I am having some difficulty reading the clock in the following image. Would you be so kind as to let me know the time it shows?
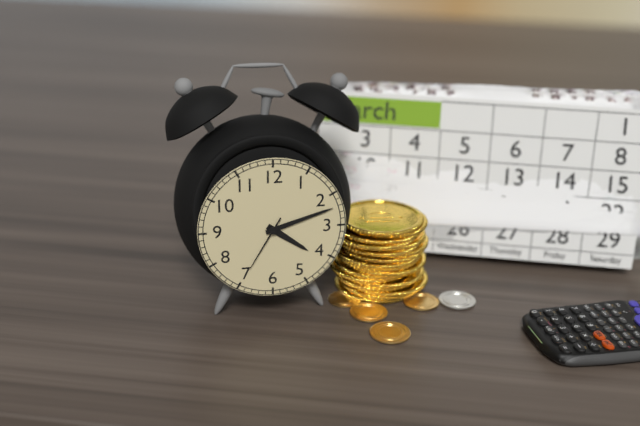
4:12:35
